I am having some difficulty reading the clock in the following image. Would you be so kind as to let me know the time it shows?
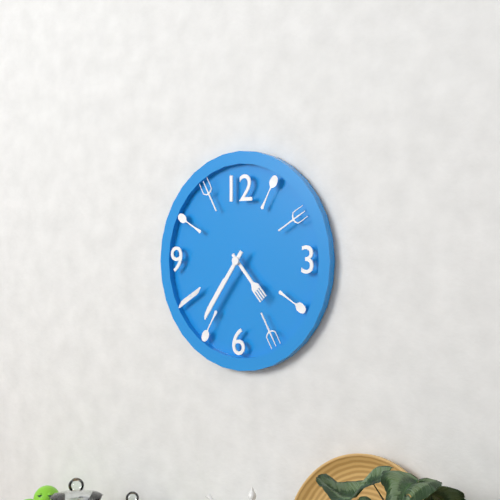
4:36
